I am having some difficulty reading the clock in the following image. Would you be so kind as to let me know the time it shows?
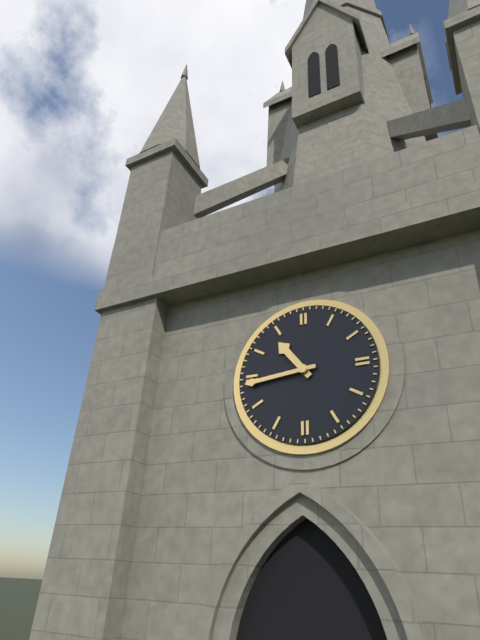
10:44
